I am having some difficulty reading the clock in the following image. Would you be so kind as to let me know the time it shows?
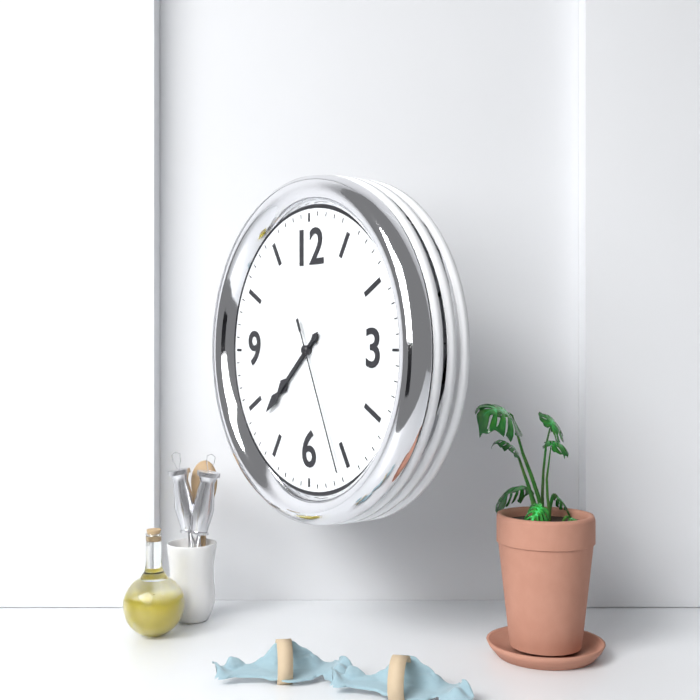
7:38:26
